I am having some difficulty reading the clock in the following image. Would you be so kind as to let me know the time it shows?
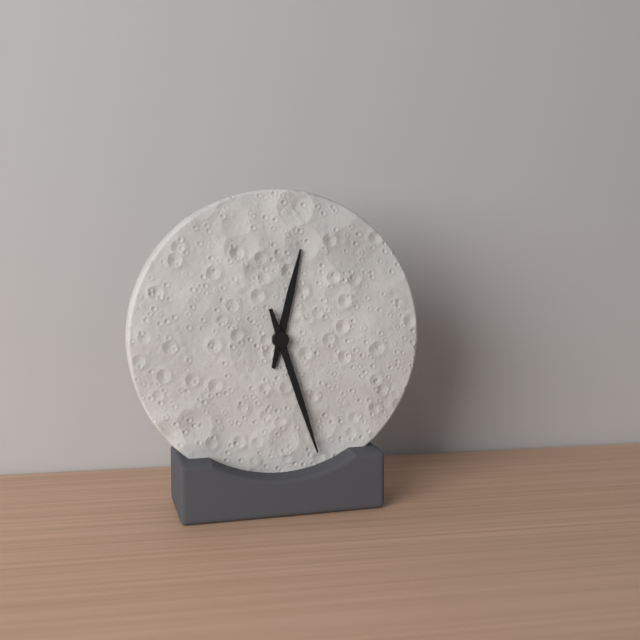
12:27
